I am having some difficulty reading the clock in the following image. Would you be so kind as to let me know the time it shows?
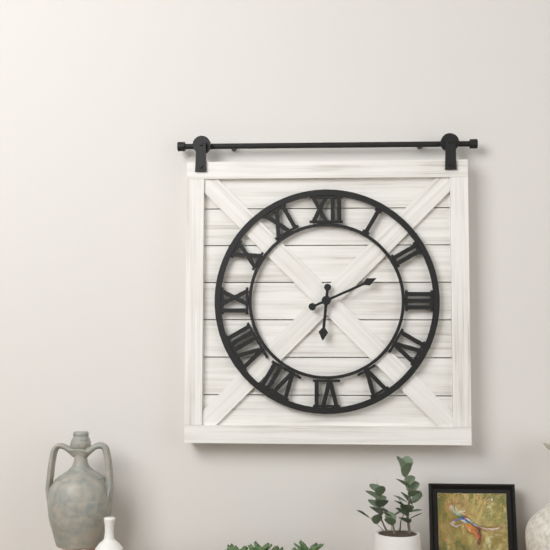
6:11
